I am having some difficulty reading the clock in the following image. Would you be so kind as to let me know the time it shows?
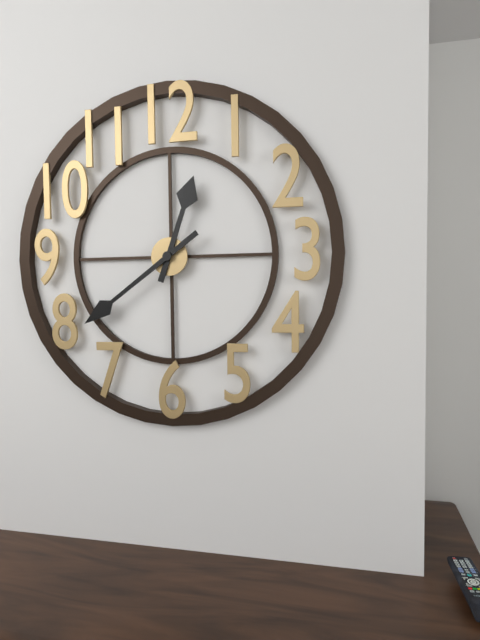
12:39
